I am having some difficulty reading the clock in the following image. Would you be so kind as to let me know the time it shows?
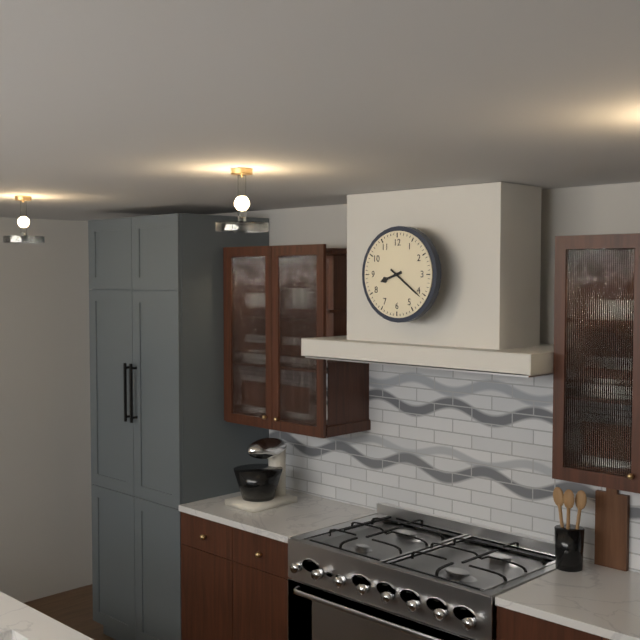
8:21
